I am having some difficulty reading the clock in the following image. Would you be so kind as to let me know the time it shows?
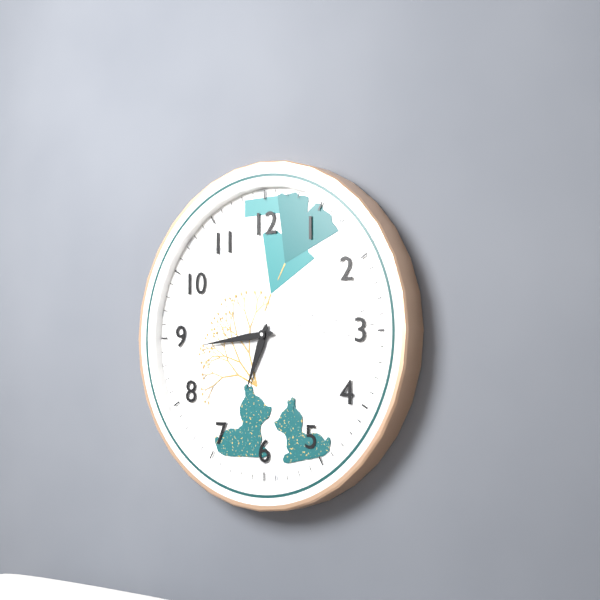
6:44
